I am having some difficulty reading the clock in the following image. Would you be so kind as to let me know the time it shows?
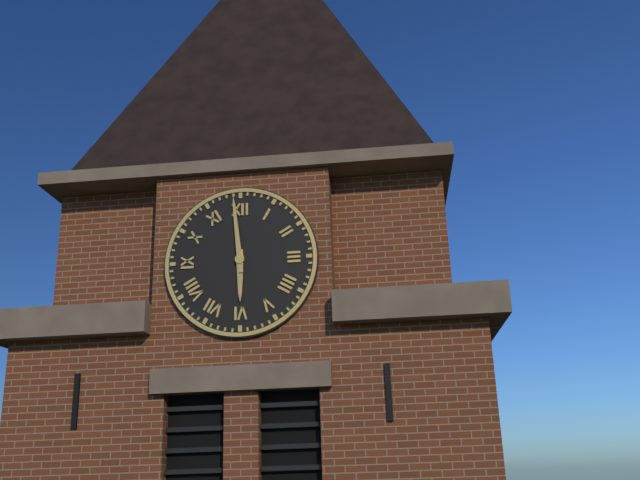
5:59
